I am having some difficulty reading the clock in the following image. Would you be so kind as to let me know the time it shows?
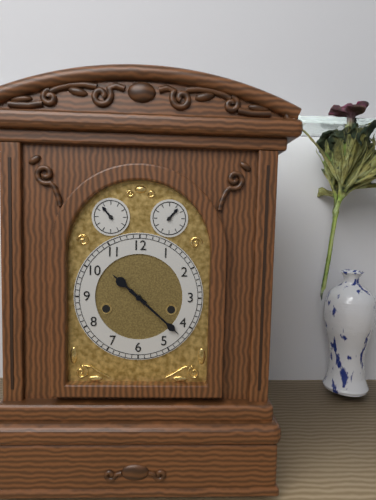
10:22
